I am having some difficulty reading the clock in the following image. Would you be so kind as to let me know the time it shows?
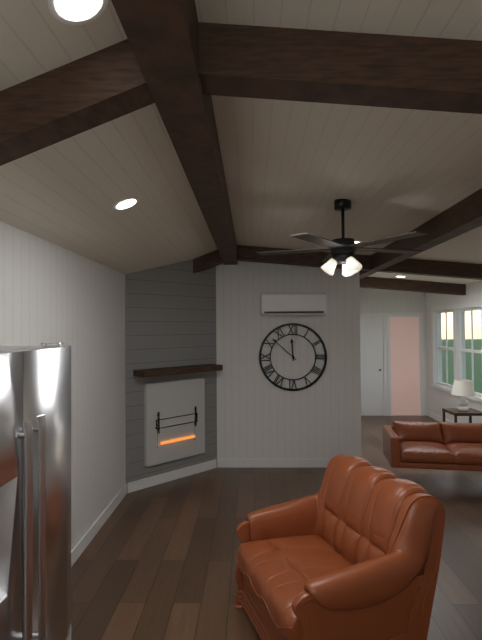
11:52
